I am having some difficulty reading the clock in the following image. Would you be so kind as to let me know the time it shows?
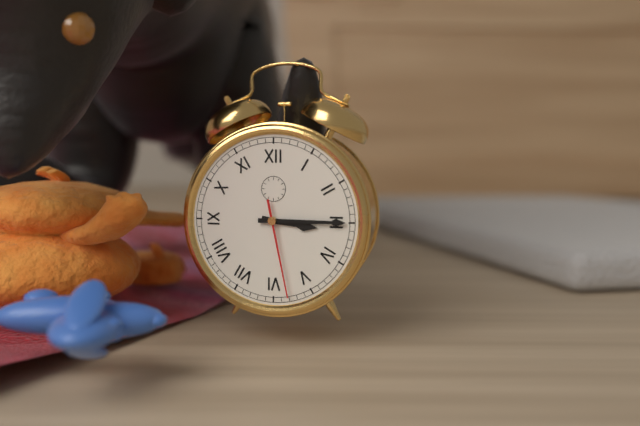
3:15:28
